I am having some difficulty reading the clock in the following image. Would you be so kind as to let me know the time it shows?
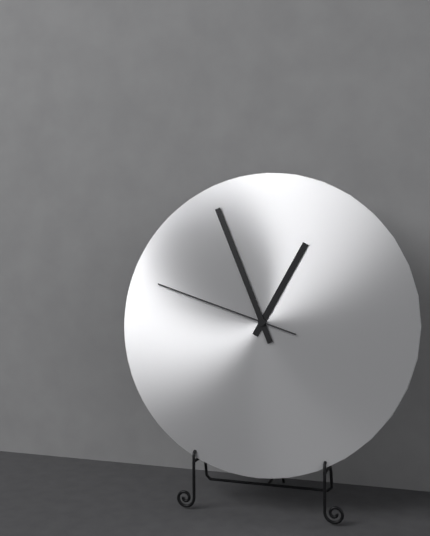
12:56:48
